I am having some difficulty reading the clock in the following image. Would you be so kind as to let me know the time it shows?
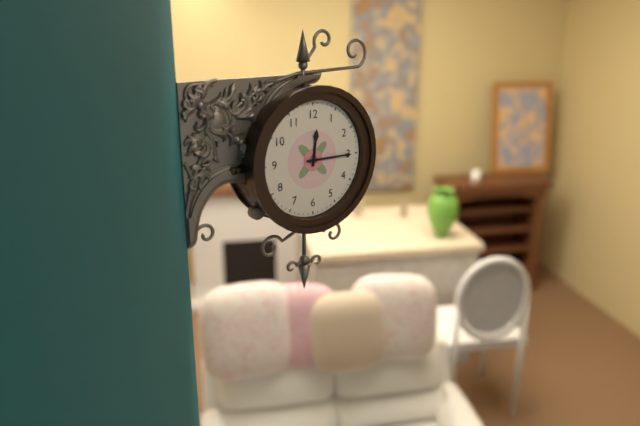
12:15
